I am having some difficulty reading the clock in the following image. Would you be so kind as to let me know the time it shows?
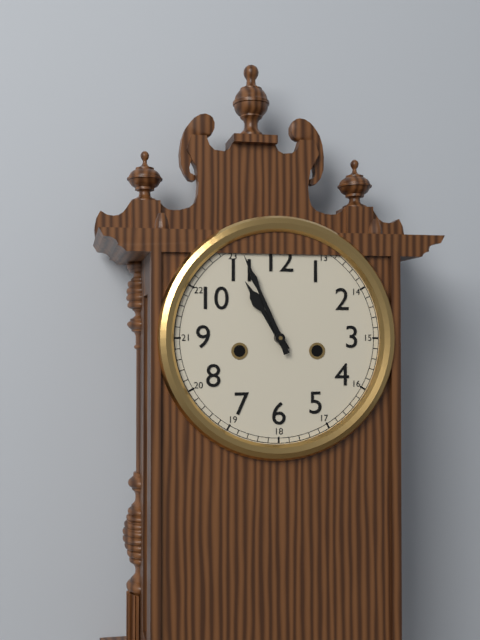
10:56
